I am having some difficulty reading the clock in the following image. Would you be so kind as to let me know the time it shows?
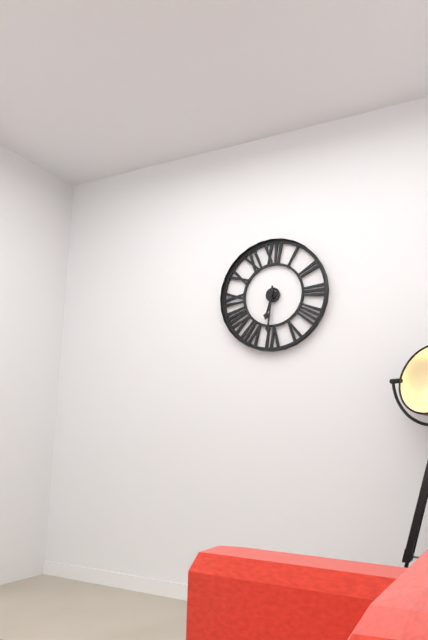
6:31
